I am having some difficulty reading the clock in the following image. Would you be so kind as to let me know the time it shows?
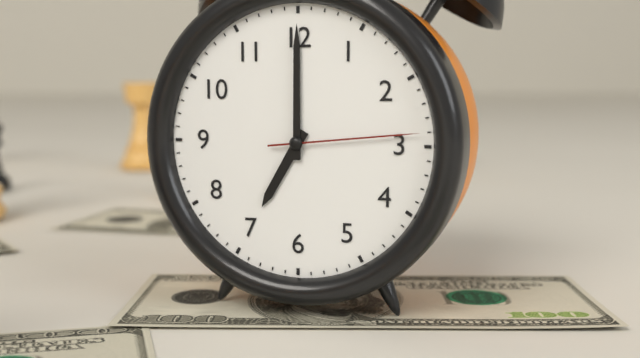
7:00:14
